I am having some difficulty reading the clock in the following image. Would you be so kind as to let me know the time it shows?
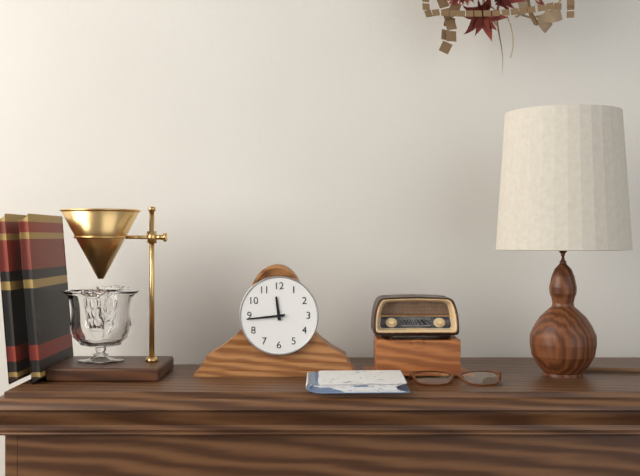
11:44
